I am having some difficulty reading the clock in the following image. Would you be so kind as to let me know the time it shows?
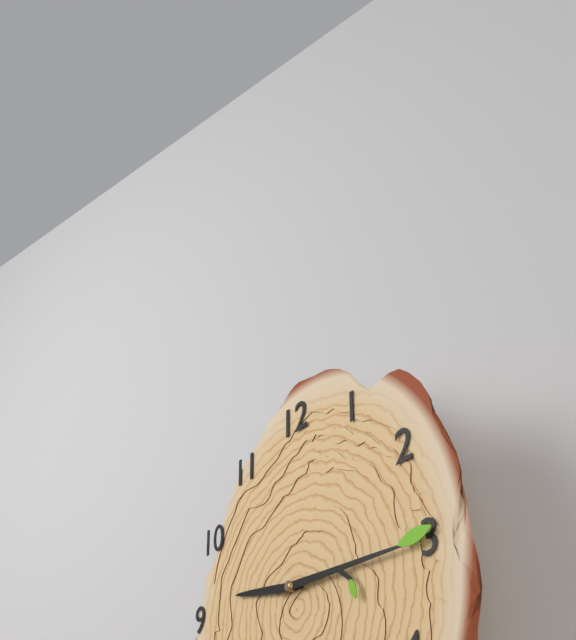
9:15
